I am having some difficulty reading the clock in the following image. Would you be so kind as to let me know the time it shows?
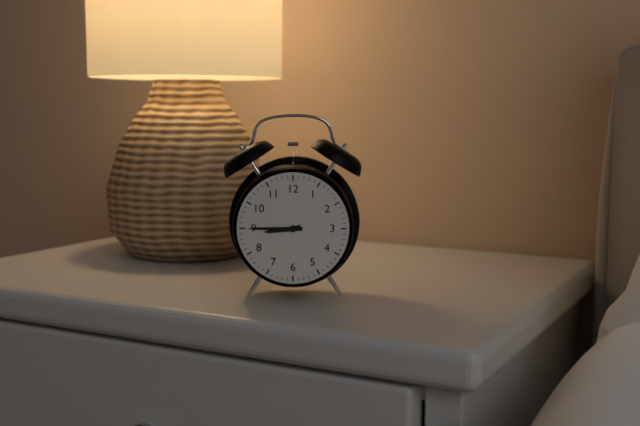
8:45
